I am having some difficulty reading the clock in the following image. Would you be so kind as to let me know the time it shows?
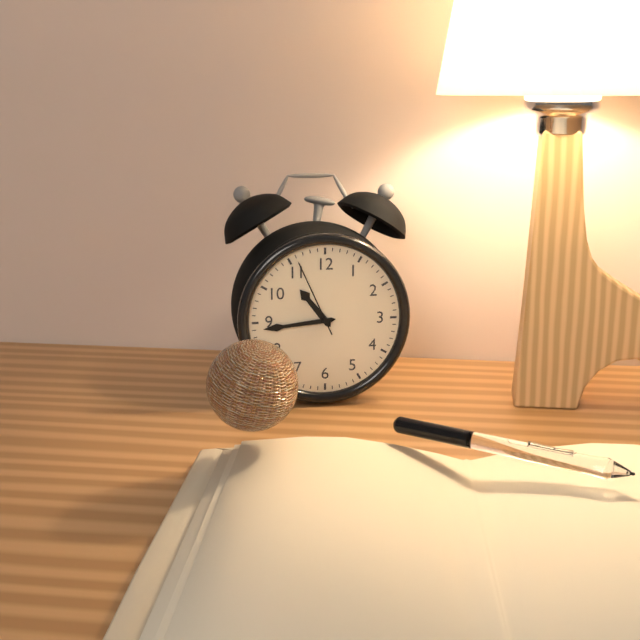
10:44:56
